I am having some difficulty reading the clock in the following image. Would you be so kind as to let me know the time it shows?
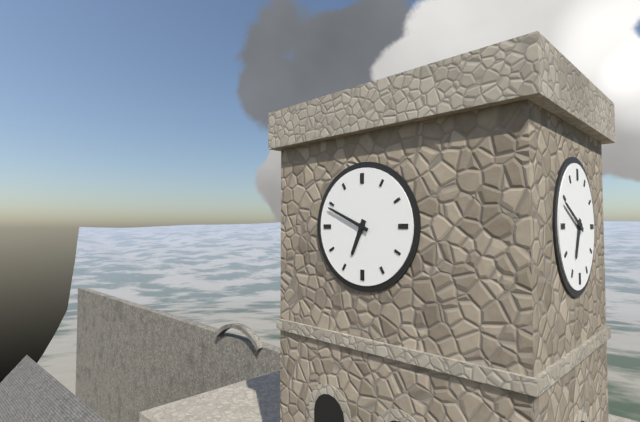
6:49
